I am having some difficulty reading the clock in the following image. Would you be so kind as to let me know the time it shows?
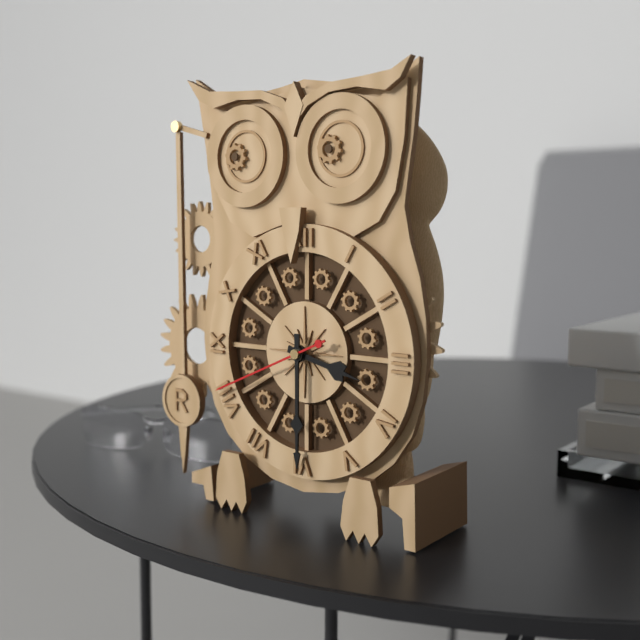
3:30:41
